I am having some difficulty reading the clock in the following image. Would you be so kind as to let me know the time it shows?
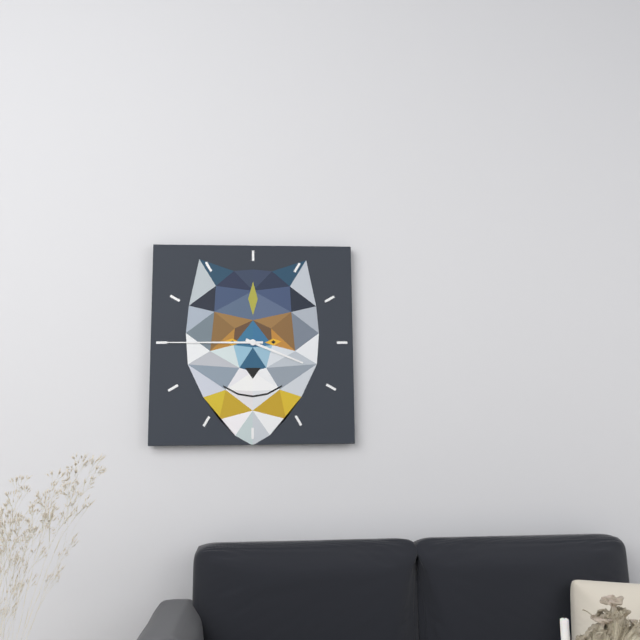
3:45
